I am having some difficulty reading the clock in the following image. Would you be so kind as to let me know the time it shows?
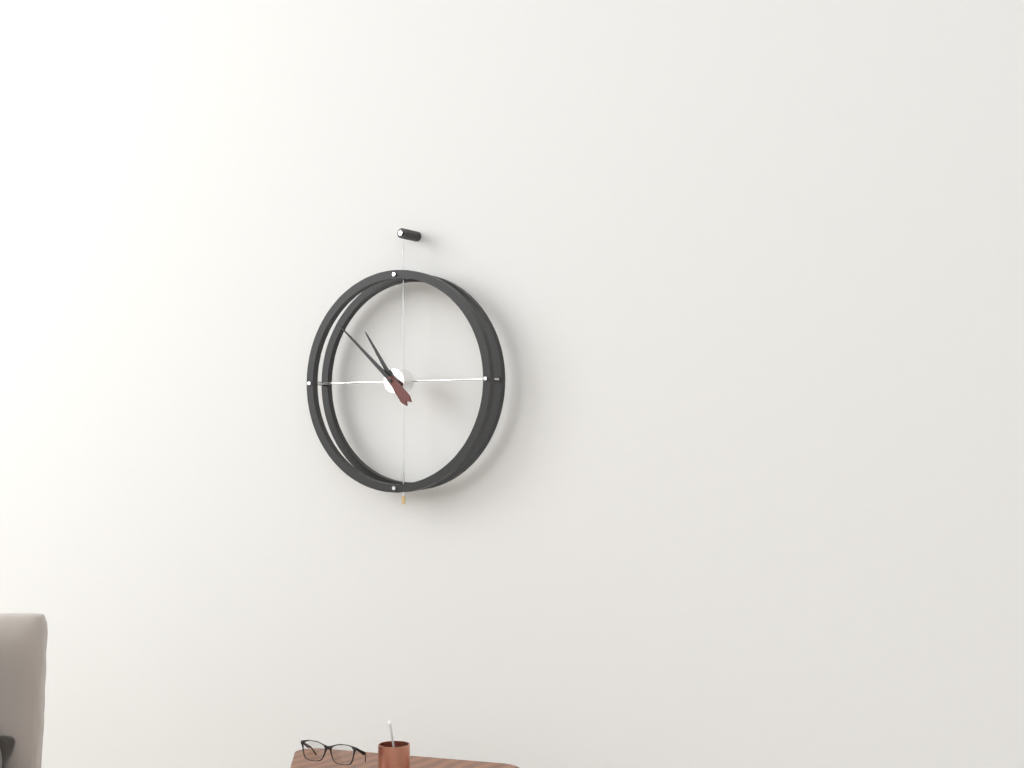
10:52
